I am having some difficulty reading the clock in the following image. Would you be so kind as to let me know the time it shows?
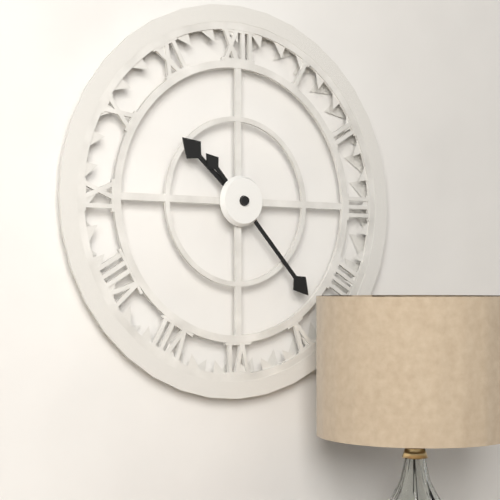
10:23
